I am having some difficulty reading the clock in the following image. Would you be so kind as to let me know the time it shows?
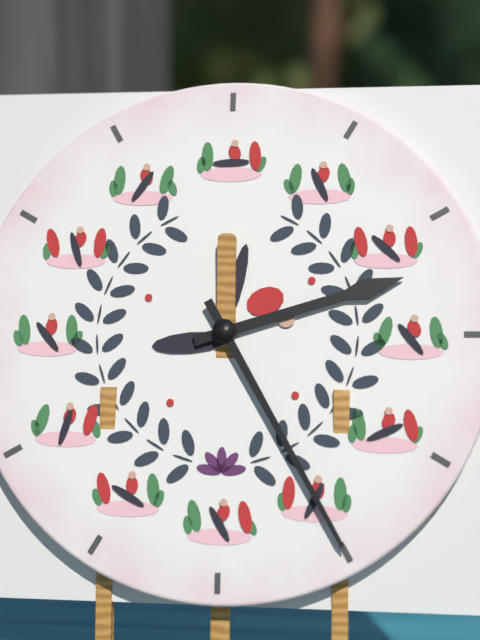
2:25
